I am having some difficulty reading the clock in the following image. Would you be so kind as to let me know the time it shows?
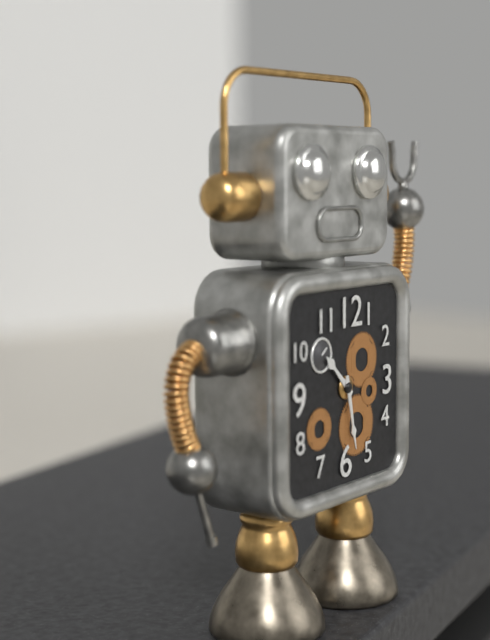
10:28
